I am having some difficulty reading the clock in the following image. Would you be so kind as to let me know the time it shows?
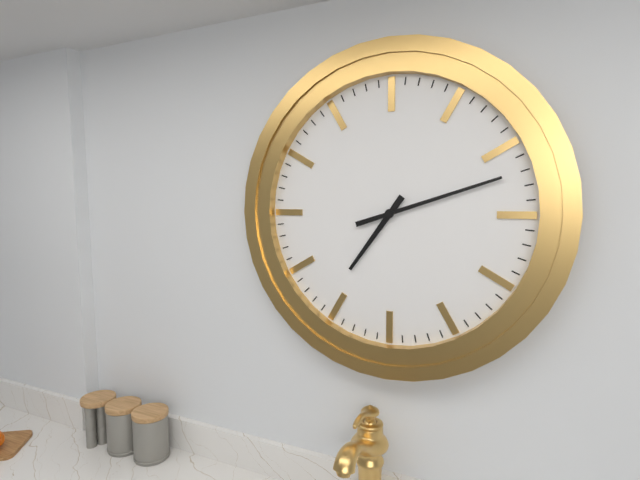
7:12
